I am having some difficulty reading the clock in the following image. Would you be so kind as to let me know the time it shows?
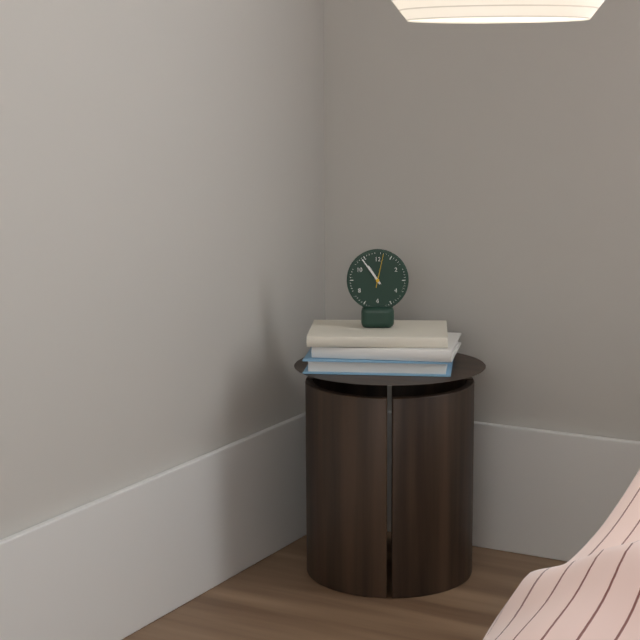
10:54
